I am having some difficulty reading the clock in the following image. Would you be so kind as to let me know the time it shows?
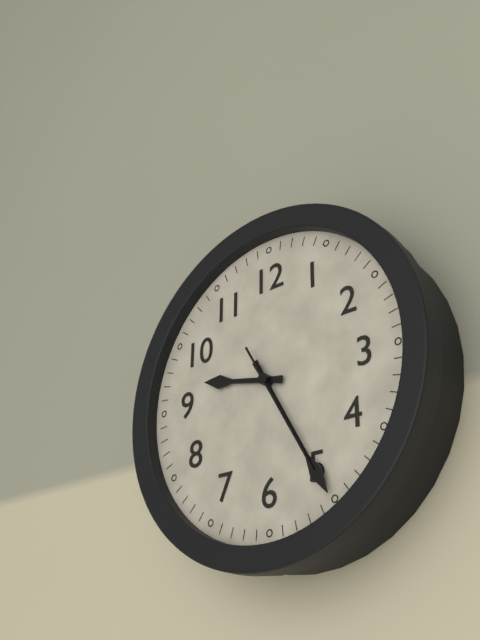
9:25:25
